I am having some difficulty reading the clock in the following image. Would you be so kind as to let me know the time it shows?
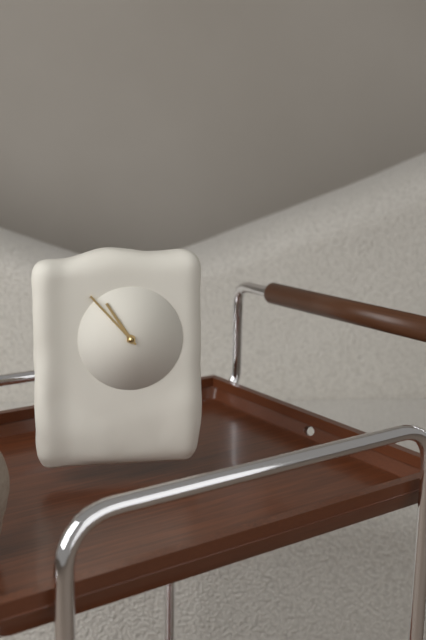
10:53
